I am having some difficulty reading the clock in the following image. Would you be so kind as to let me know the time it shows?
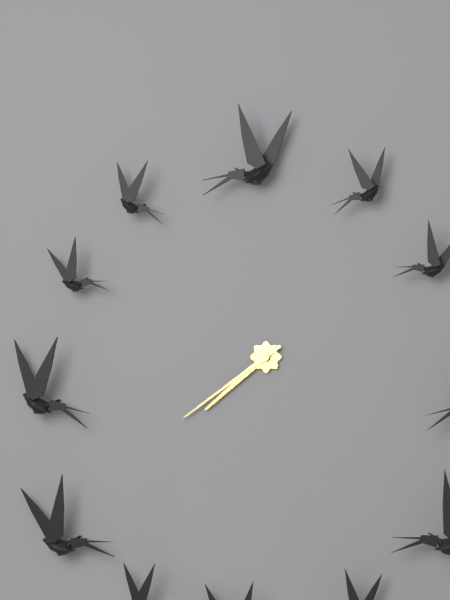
7:39
